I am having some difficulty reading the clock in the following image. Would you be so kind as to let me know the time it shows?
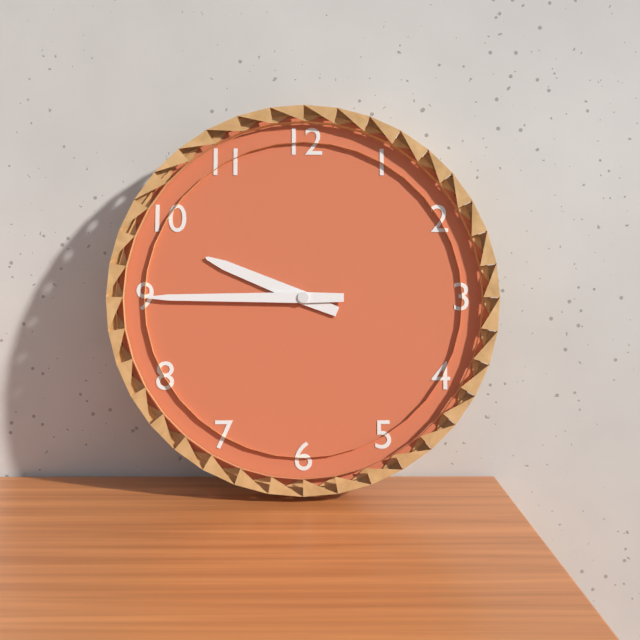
9:45
